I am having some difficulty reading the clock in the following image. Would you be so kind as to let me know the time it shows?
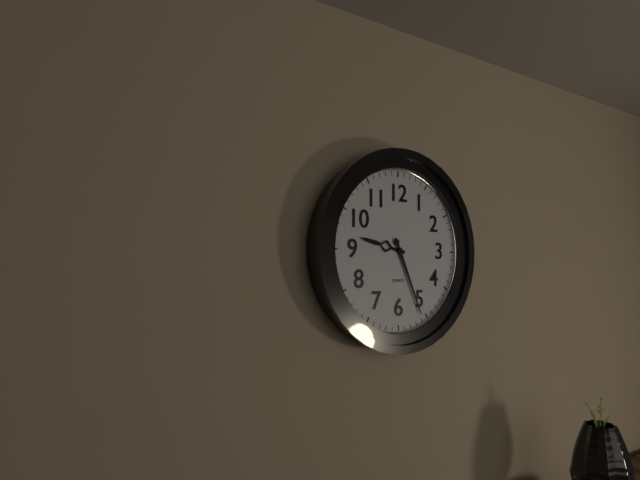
9:26
